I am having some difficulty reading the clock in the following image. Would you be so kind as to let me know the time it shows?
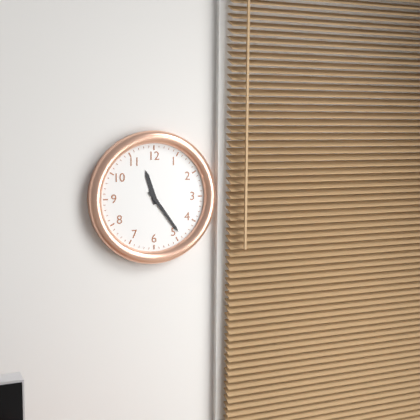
11:24
